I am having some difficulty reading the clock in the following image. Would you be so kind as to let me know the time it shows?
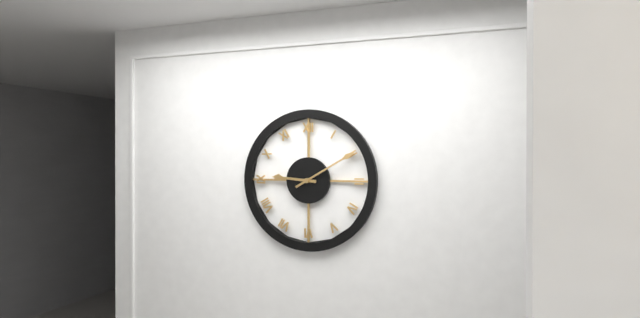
9:10
